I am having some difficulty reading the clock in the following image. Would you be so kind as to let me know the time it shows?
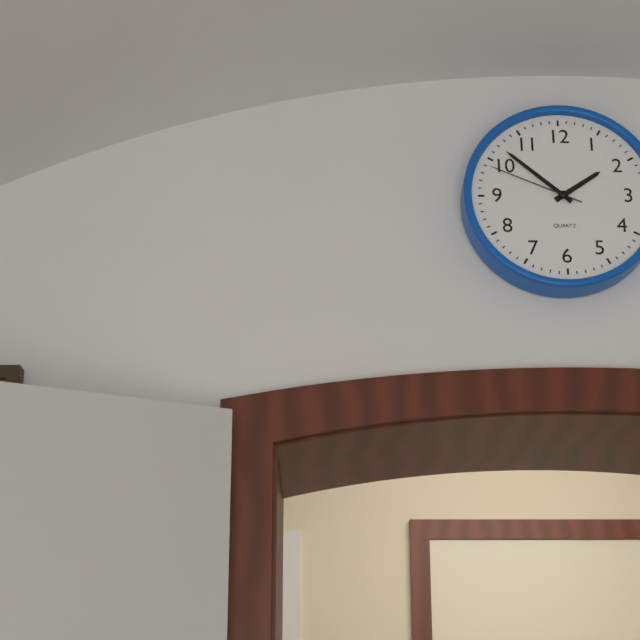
1:52:49
